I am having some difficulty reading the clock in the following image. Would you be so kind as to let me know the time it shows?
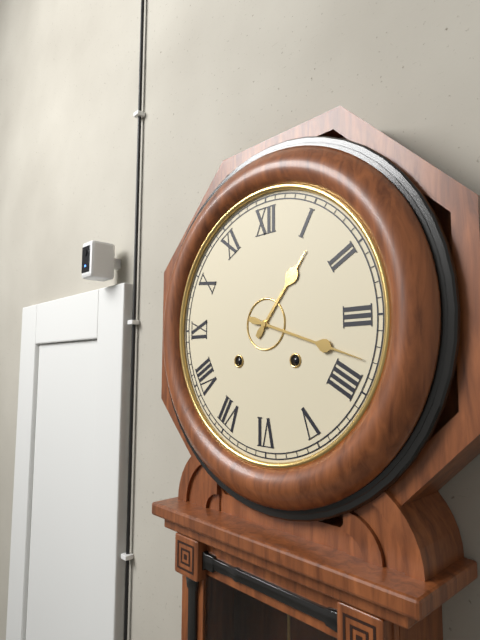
1:18
